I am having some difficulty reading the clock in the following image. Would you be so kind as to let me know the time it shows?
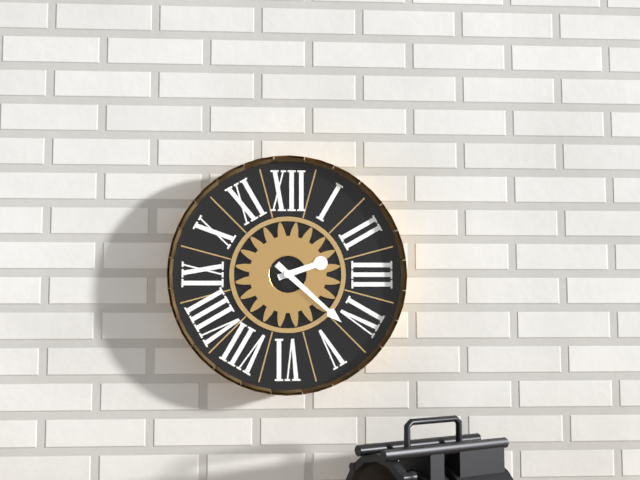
2:22
